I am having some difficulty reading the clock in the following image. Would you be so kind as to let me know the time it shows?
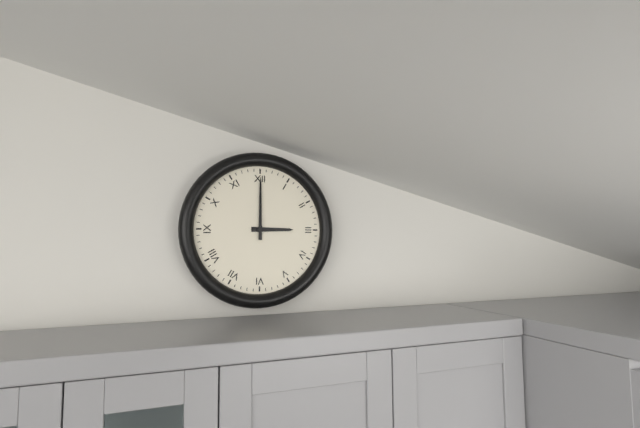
3:00
